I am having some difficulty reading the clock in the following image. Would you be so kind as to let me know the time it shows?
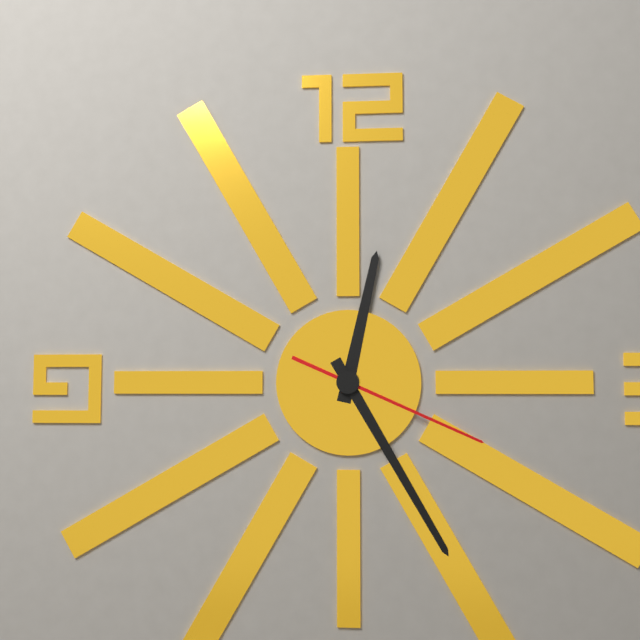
12:25:19
